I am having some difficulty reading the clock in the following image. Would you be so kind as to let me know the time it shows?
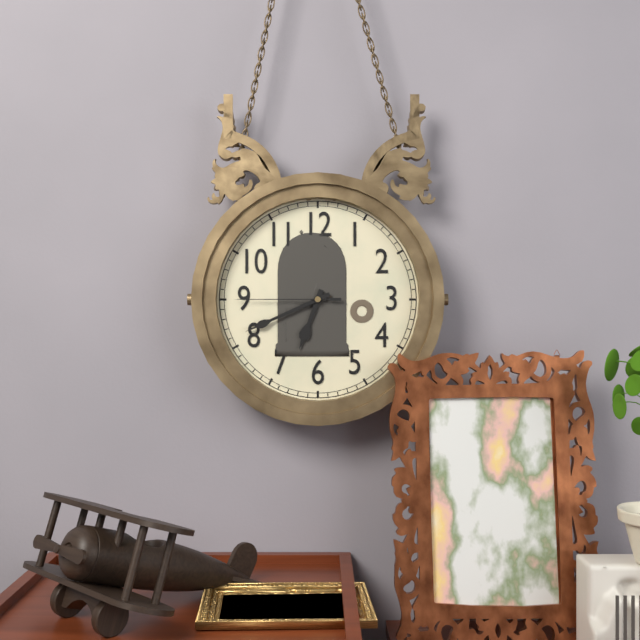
6:41:45
